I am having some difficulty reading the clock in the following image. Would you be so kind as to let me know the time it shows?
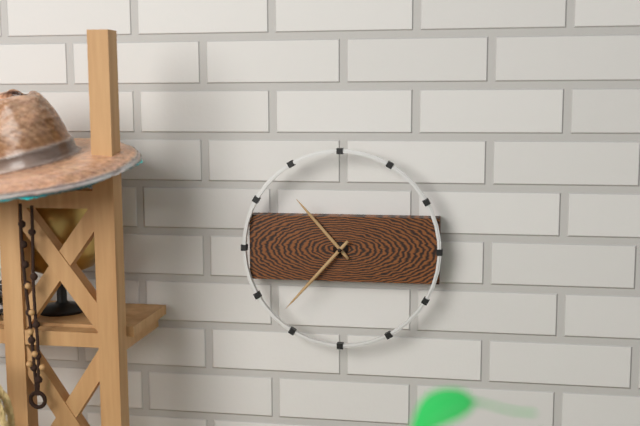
10:37
